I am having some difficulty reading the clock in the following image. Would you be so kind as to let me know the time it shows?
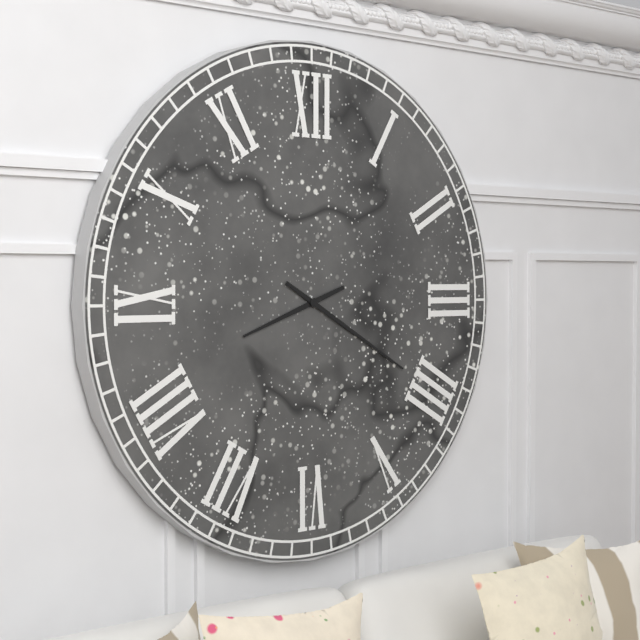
8:20
